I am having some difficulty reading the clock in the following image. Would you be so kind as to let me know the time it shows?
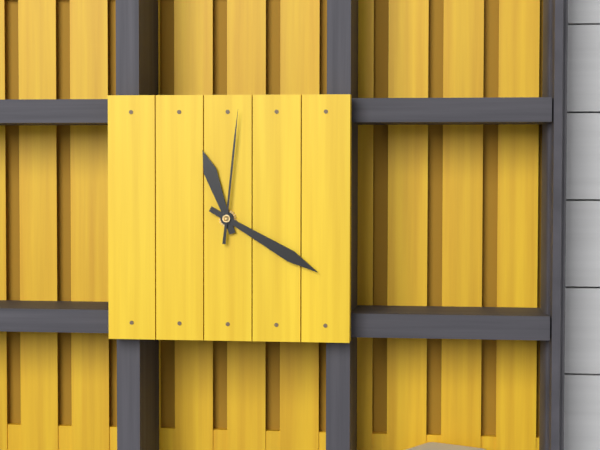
11:20:01
